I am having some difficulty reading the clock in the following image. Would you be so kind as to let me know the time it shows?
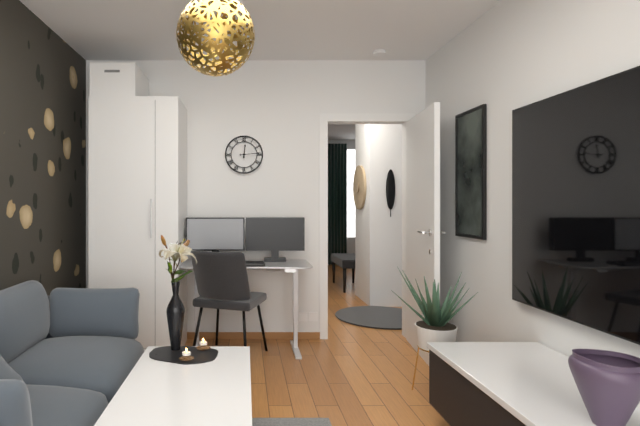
12:14
